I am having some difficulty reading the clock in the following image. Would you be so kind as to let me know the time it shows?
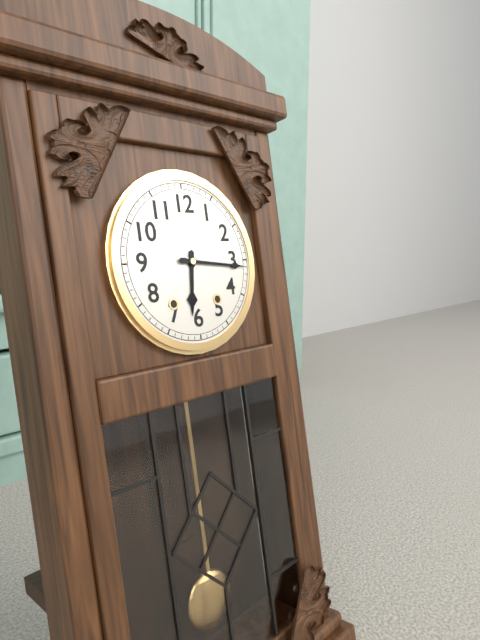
6:16
